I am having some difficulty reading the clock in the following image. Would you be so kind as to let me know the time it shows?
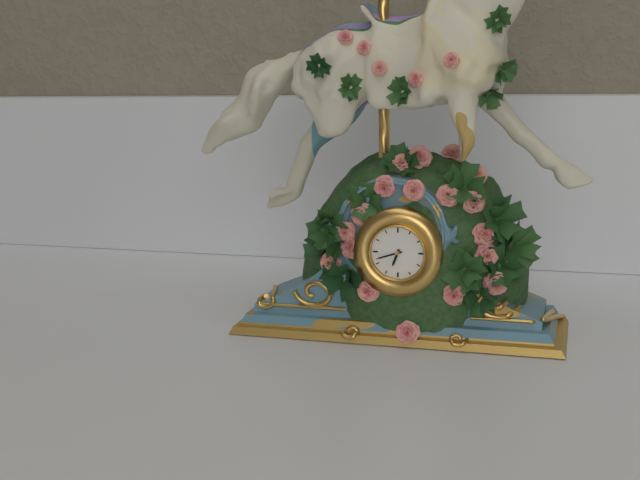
6:42
